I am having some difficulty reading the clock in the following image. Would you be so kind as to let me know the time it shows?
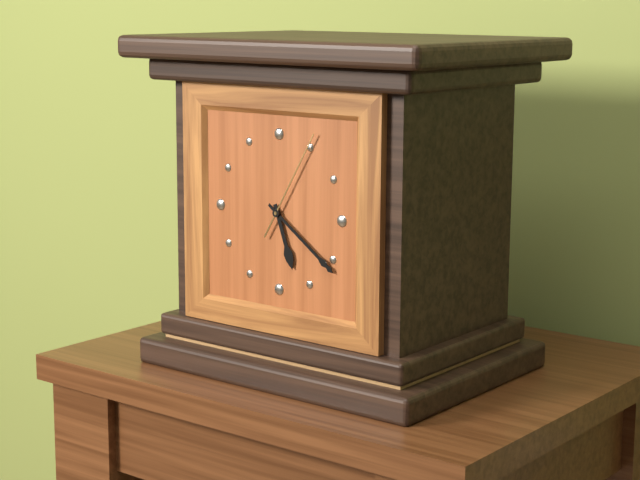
5:21:05
